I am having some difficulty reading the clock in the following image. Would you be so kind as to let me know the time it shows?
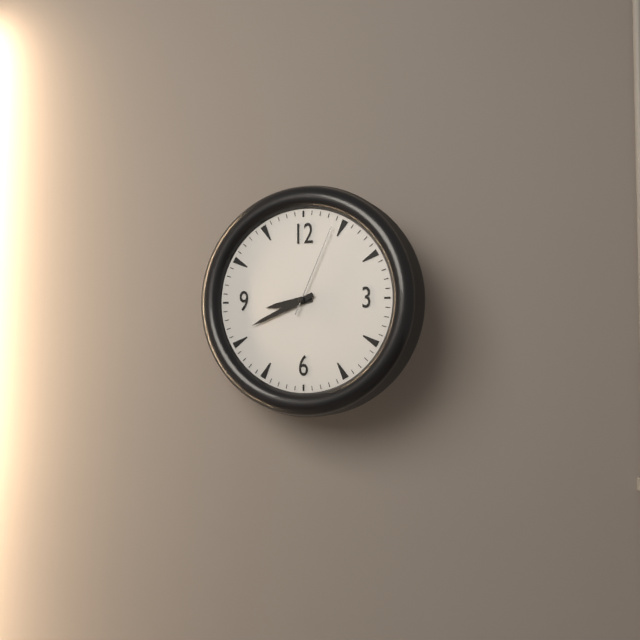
8:41:04
